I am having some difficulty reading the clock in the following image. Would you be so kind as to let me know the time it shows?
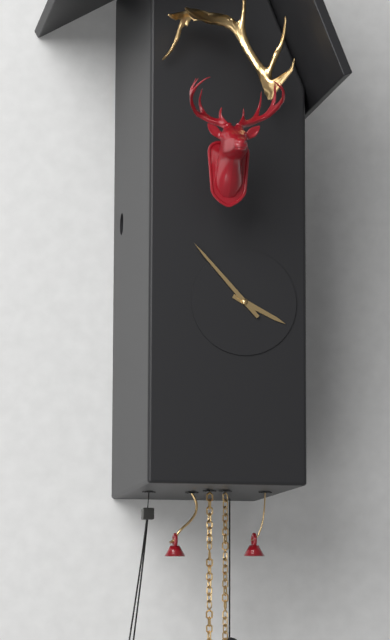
3:53
